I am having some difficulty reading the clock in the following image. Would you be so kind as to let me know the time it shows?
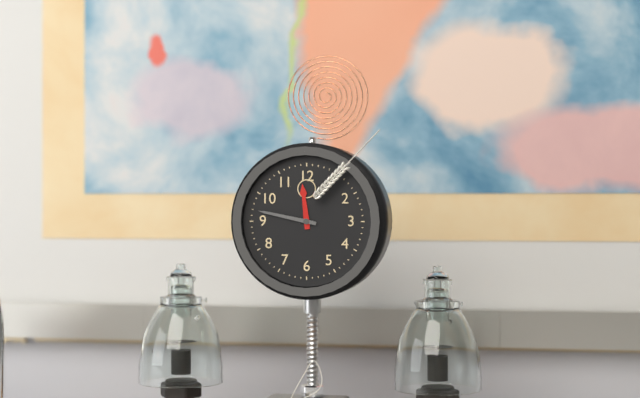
11:47
